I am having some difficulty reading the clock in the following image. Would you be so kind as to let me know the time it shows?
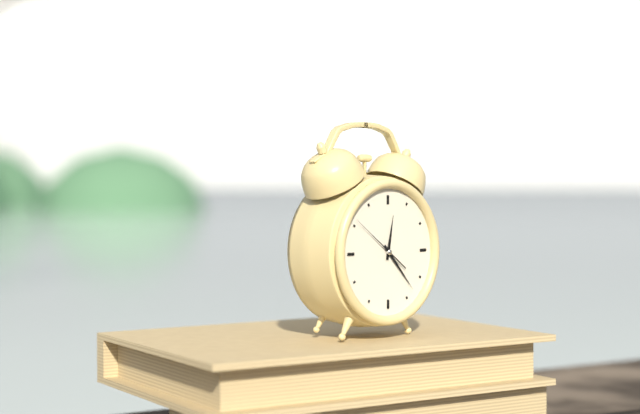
12:23:51
